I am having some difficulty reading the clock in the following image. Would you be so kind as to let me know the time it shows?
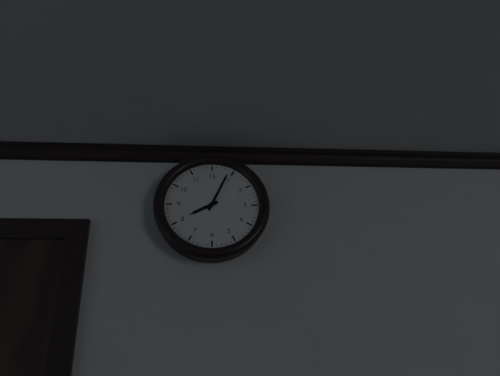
8:04
